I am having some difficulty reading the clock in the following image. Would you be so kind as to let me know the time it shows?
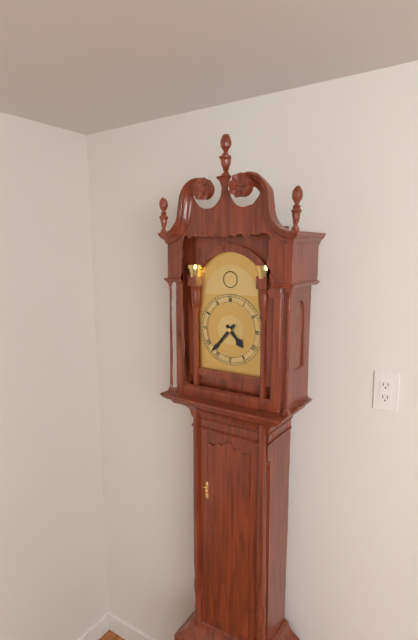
4:37
